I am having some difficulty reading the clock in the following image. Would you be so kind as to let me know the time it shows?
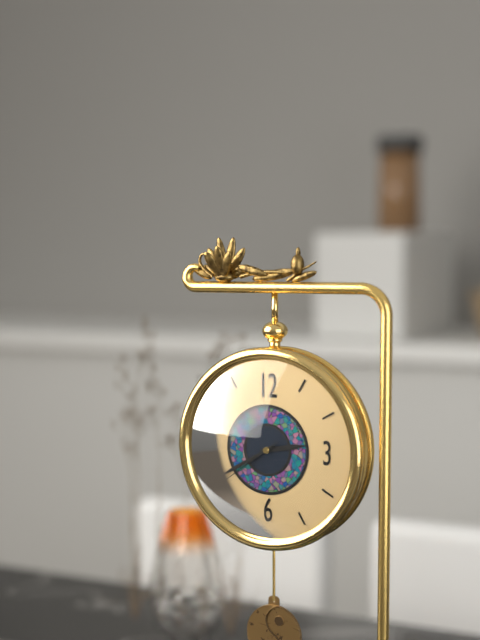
2:40:39
